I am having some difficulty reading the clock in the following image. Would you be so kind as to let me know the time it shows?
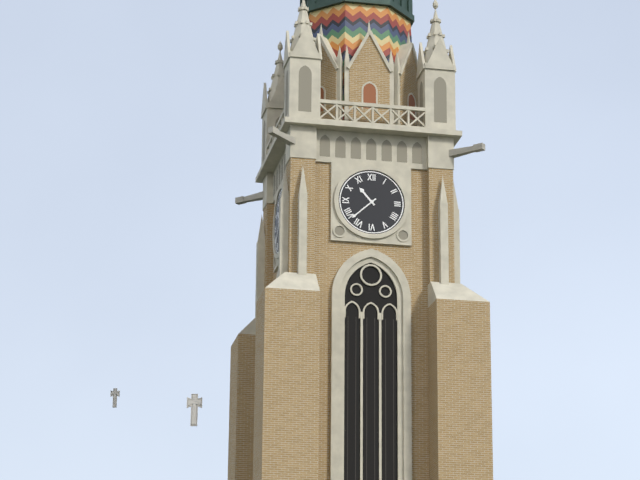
10:38
